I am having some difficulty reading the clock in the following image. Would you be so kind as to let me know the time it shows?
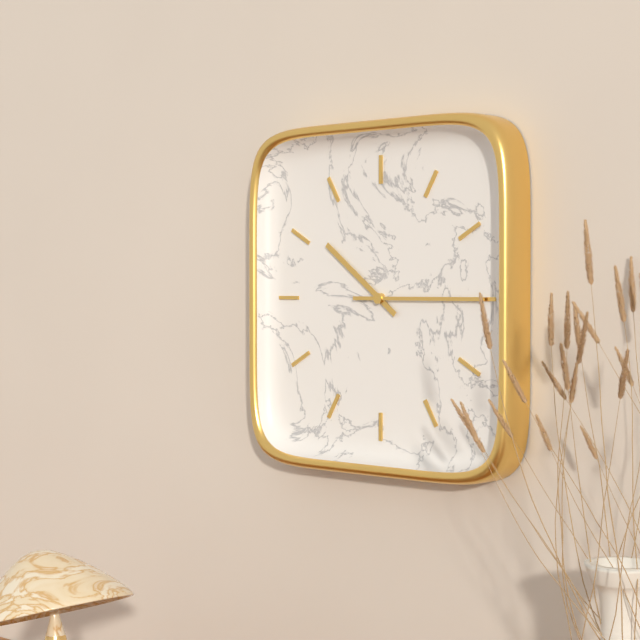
10:15
